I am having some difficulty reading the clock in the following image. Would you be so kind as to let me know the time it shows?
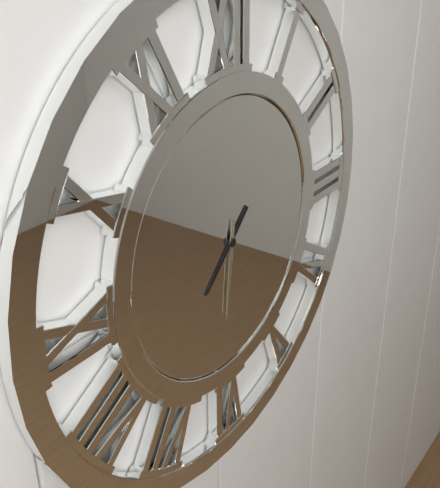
7:31
